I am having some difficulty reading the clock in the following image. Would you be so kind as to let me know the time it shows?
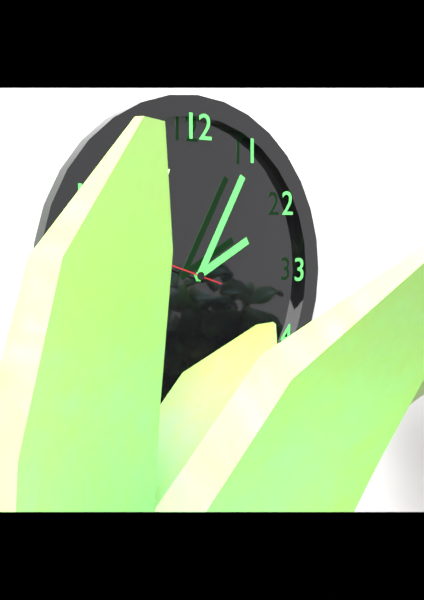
2:05
